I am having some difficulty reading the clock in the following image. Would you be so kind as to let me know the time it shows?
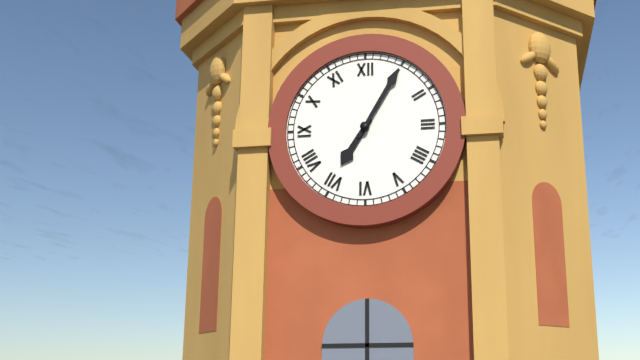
7:05
